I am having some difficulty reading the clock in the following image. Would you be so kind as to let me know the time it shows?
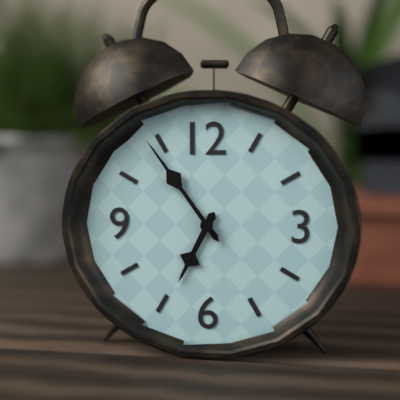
6:54
